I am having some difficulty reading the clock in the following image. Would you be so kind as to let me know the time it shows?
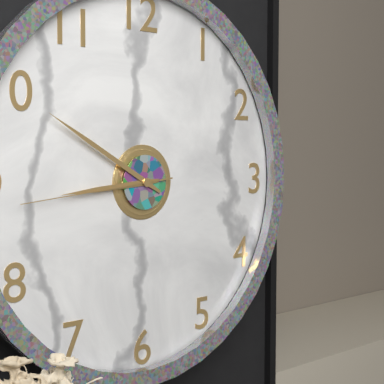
8:50:44
